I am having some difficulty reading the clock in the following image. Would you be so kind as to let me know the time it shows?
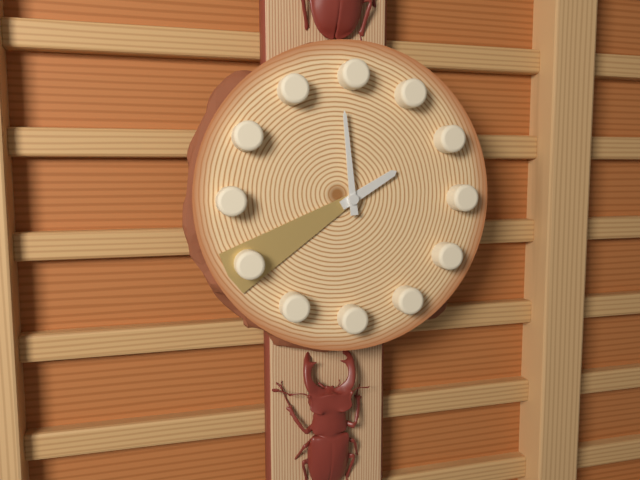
1:59:40
